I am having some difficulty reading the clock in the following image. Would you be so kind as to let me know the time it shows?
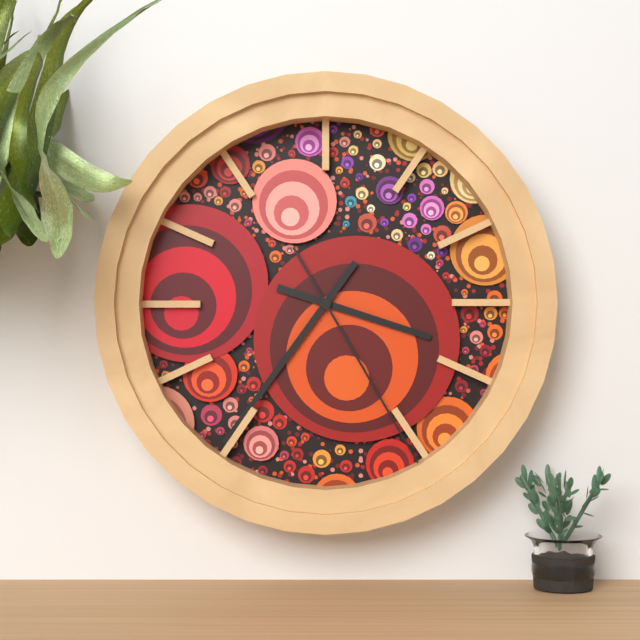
3:36:25
